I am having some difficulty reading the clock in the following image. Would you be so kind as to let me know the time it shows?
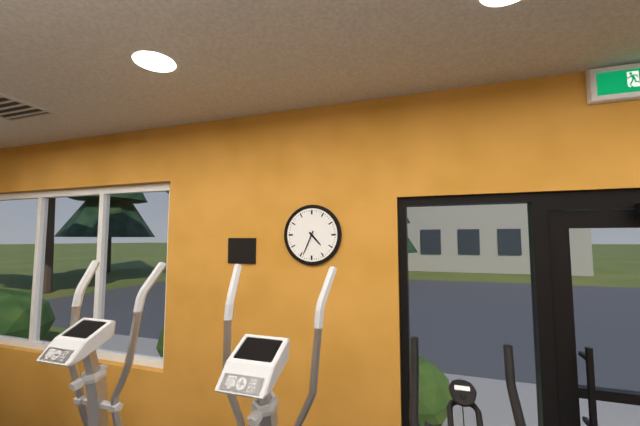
4:34
